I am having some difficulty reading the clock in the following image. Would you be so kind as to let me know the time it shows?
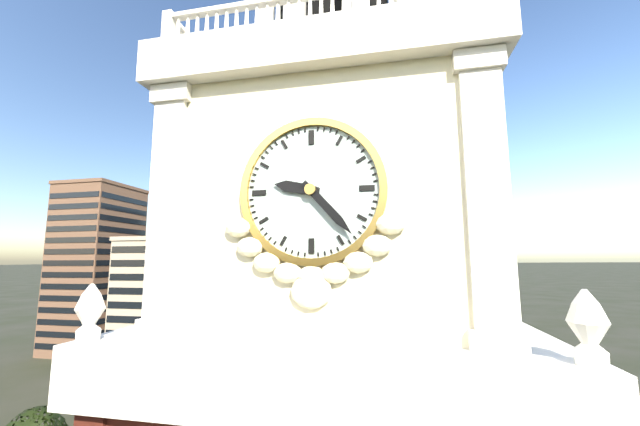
9:23
